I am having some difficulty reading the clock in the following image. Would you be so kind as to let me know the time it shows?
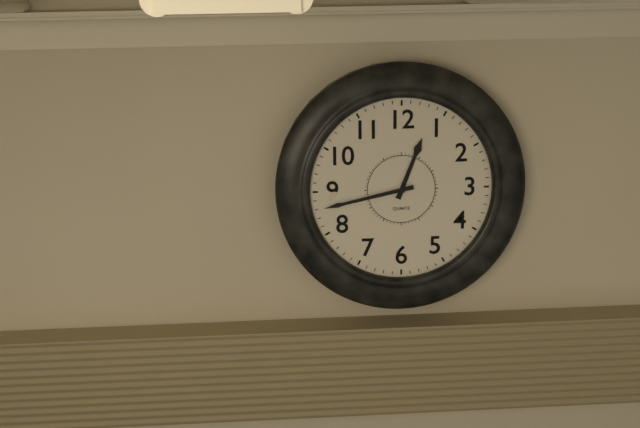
12:43
